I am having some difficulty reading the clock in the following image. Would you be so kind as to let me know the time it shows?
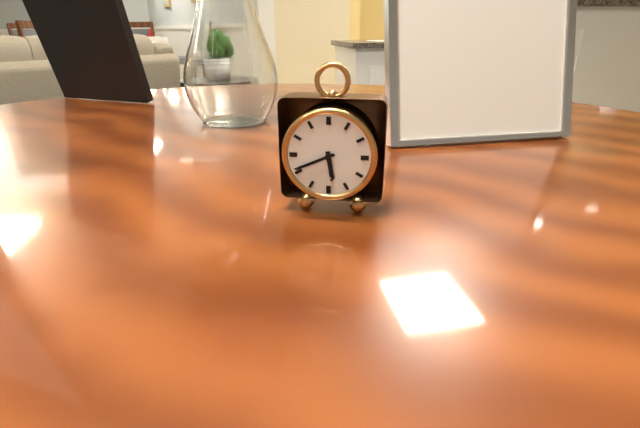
5:41
